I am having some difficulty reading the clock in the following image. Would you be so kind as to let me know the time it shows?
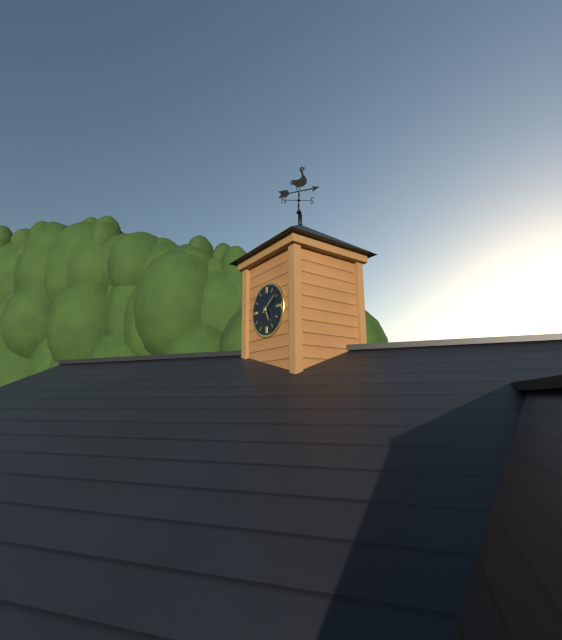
5:09
